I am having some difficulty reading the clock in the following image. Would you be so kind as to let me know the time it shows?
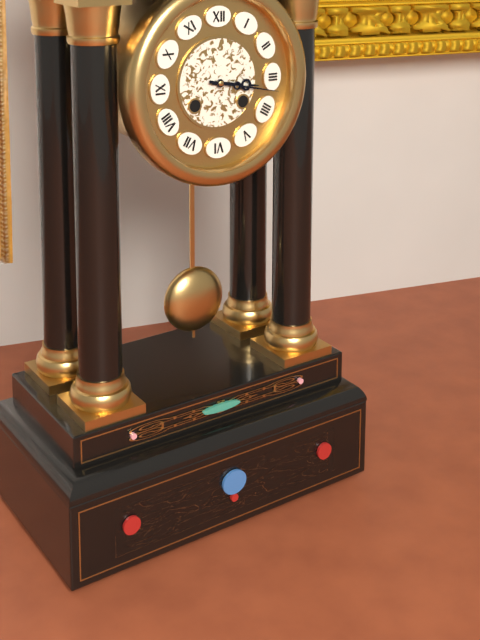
3:17
